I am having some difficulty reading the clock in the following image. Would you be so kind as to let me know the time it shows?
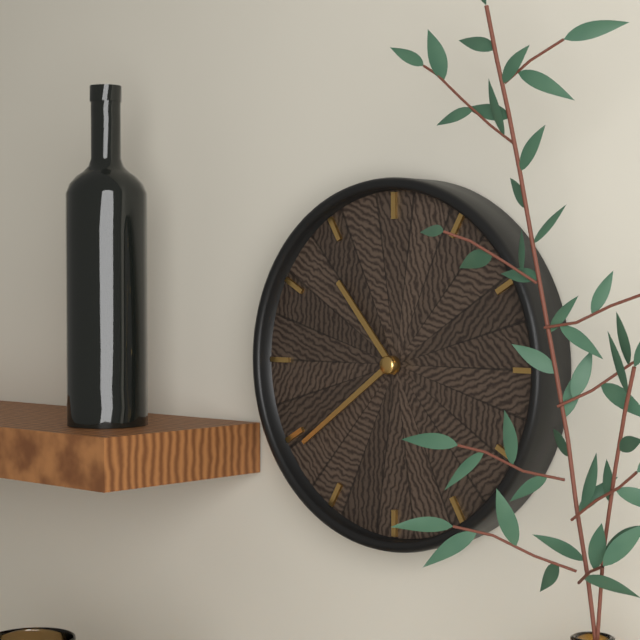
10:39
